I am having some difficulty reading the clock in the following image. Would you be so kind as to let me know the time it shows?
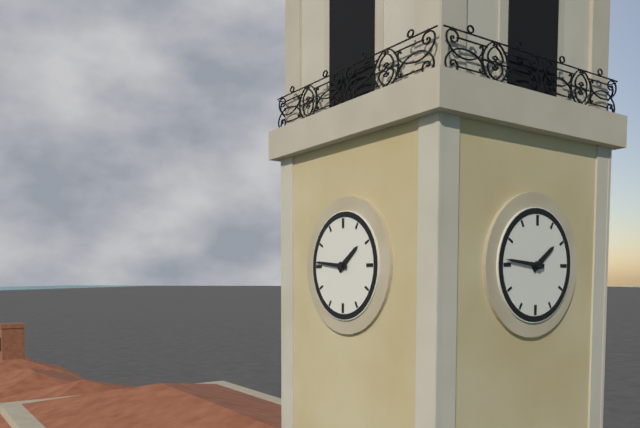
1:46
